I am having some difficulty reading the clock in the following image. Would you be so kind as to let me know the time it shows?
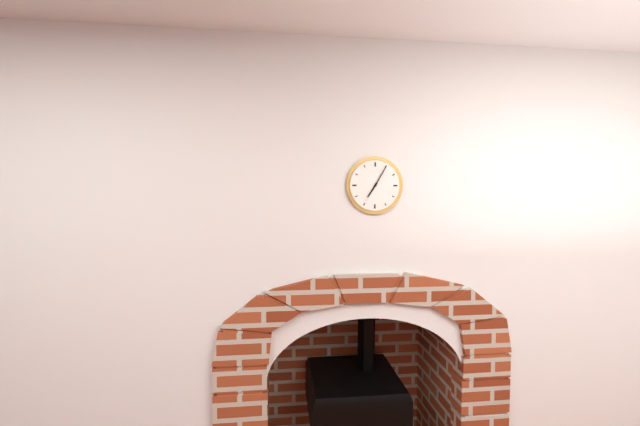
7:05
